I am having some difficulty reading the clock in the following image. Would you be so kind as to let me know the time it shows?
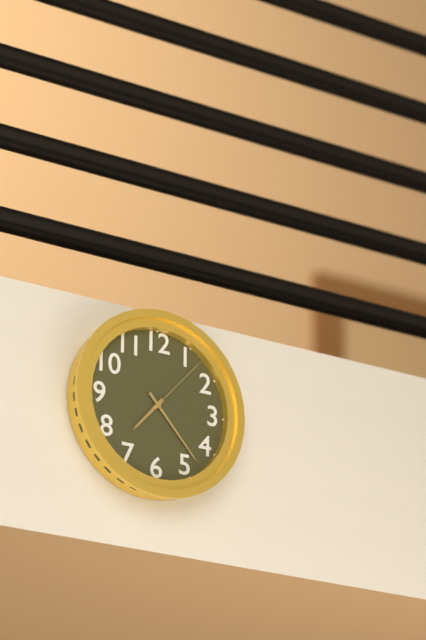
7:23:07
